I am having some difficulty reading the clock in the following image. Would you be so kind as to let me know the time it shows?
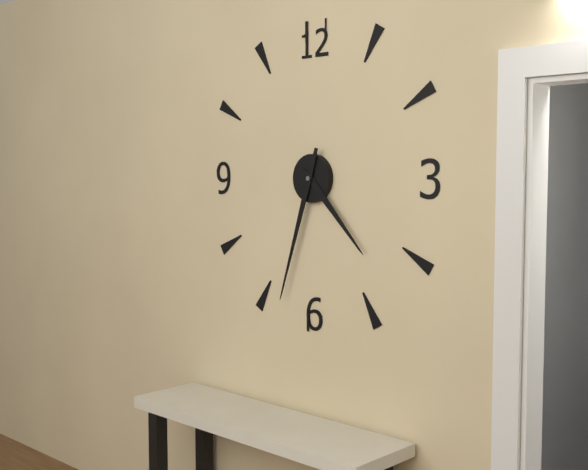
4:33
